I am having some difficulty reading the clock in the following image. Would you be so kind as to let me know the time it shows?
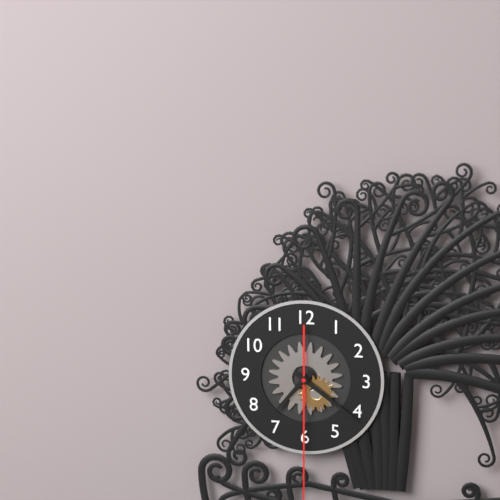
7:21
